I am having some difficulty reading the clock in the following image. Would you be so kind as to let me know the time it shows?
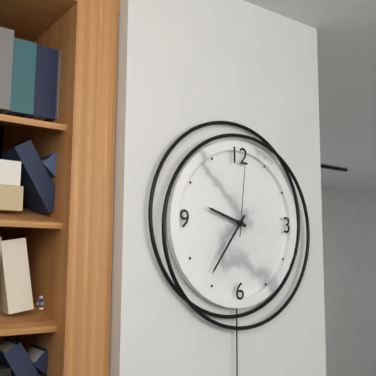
9:36:01
